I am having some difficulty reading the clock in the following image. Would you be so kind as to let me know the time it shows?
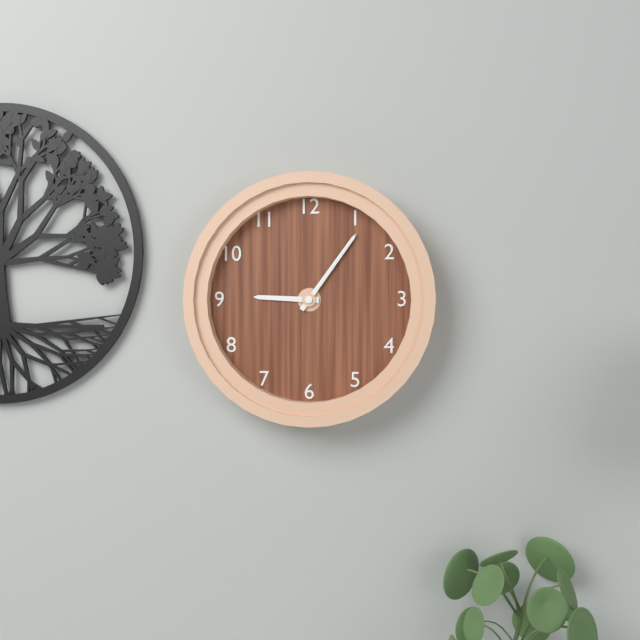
9:06
